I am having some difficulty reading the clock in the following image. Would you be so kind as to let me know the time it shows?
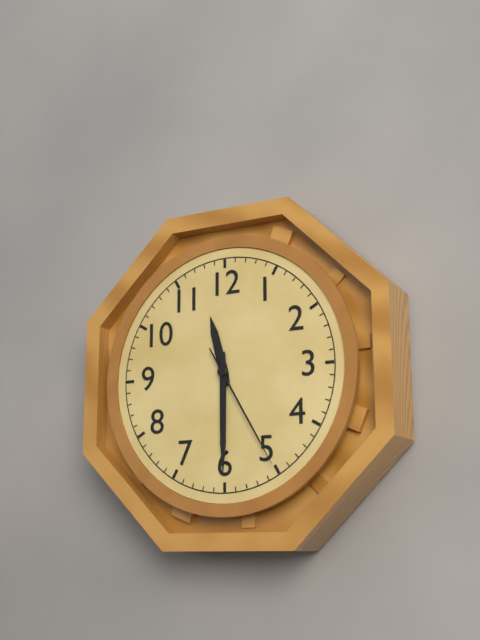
11:30:25
